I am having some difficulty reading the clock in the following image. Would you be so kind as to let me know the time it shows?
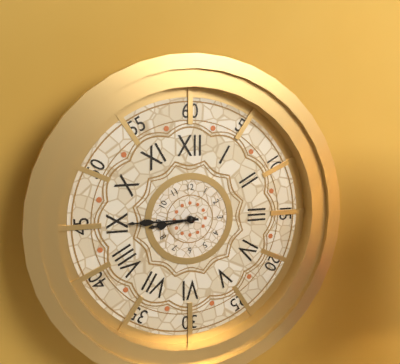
8:45
